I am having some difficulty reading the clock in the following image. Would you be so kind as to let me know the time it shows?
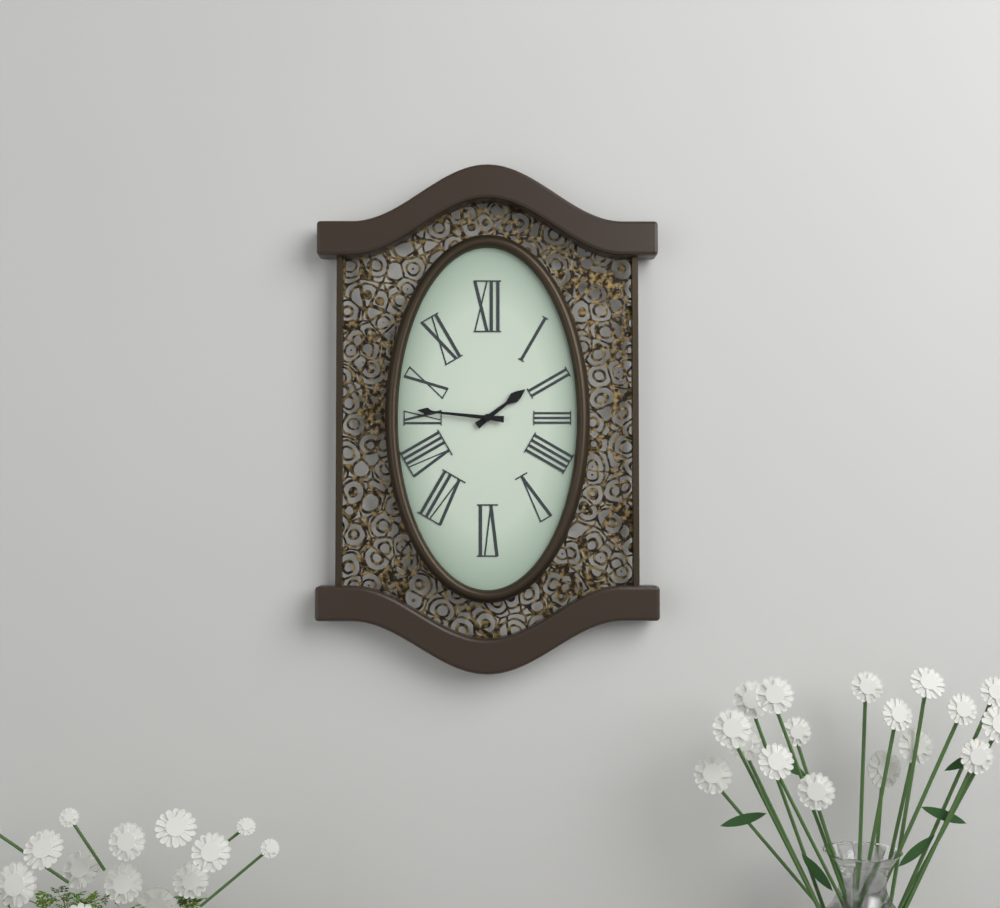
1:46
